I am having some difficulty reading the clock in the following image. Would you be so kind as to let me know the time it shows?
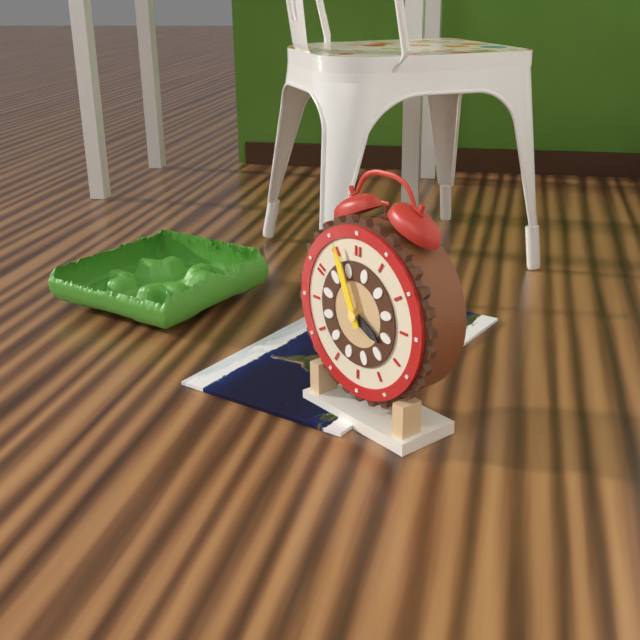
3:56
